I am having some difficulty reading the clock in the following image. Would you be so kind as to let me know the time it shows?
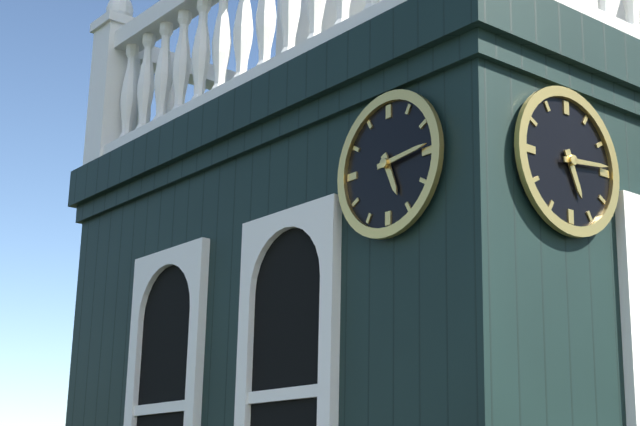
5:14
